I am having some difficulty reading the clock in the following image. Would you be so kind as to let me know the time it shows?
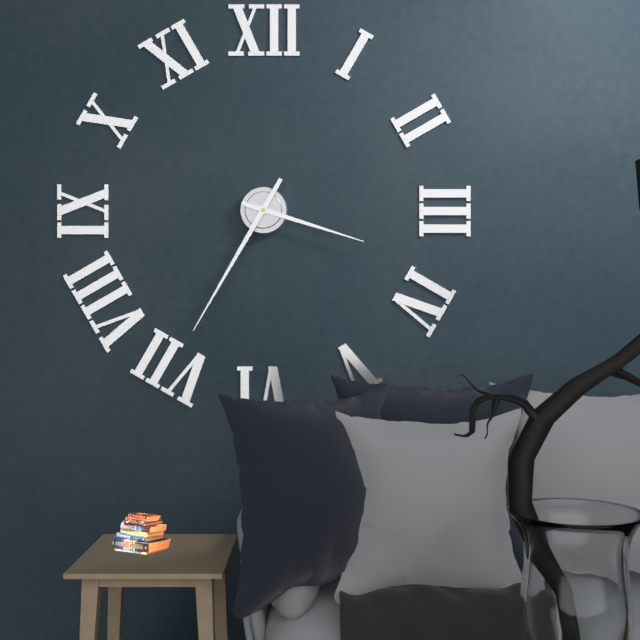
3:35
